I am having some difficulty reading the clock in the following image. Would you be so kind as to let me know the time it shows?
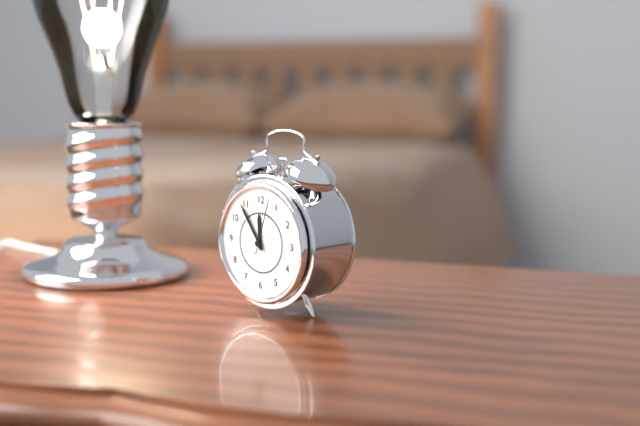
11:54:03
